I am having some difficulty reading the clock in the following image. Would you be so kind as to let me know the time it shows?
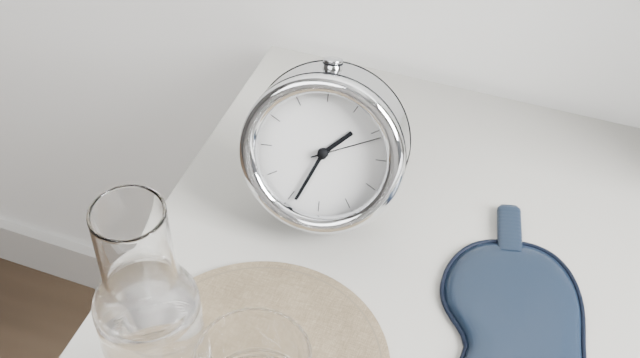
1:34:11
